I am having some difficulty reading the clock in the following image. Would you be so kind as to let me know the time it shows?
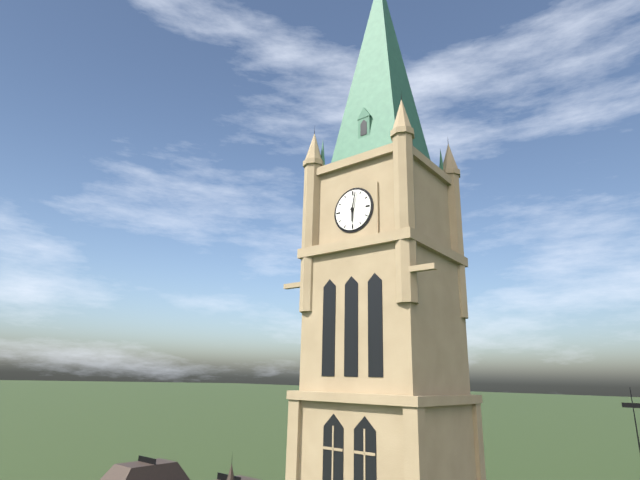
6:02
